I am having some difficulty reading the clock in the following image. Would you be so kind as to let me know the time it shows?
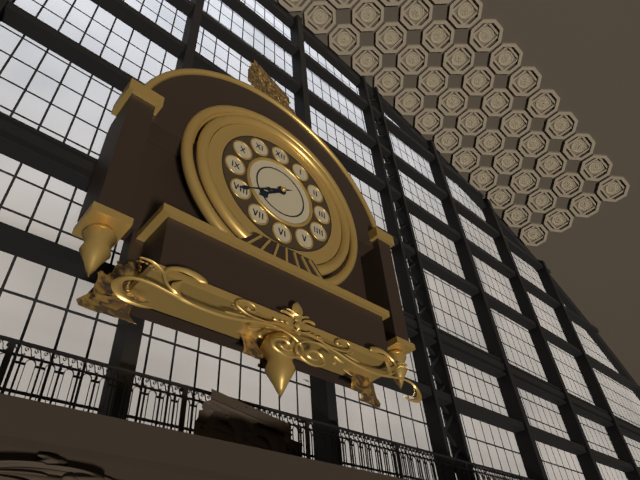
7:40
